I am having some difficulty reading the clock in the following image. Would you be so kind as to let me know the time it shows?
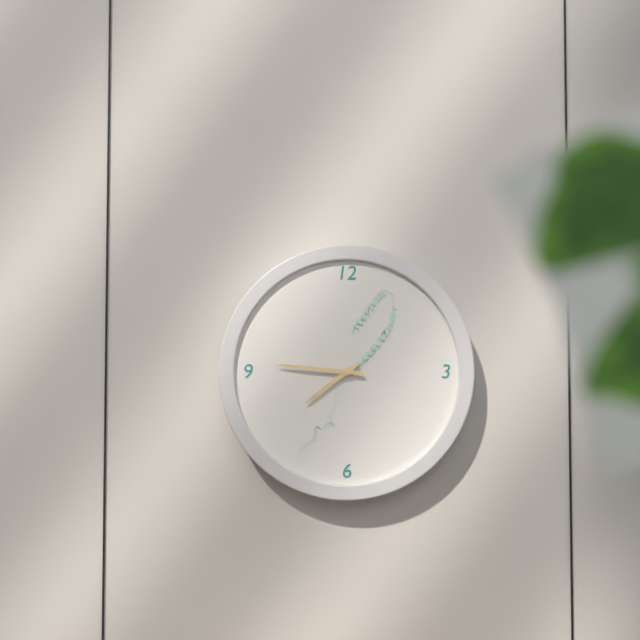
7:46
